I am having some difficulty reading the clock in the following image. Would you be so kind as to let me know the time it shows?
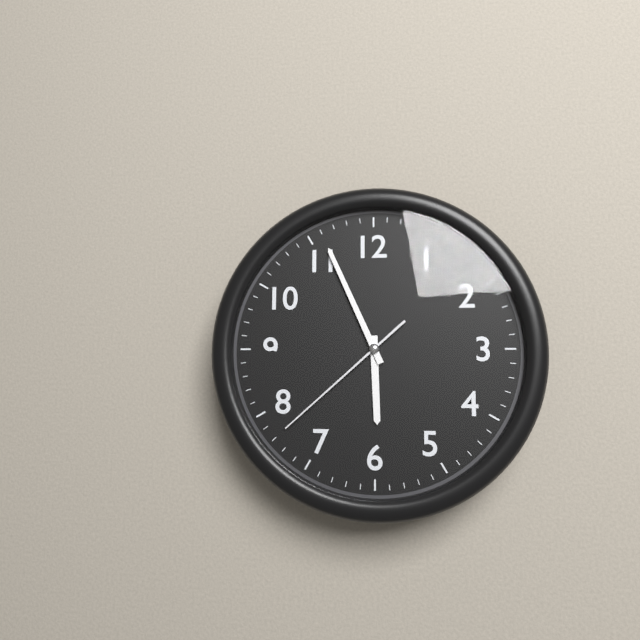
5:56:38
